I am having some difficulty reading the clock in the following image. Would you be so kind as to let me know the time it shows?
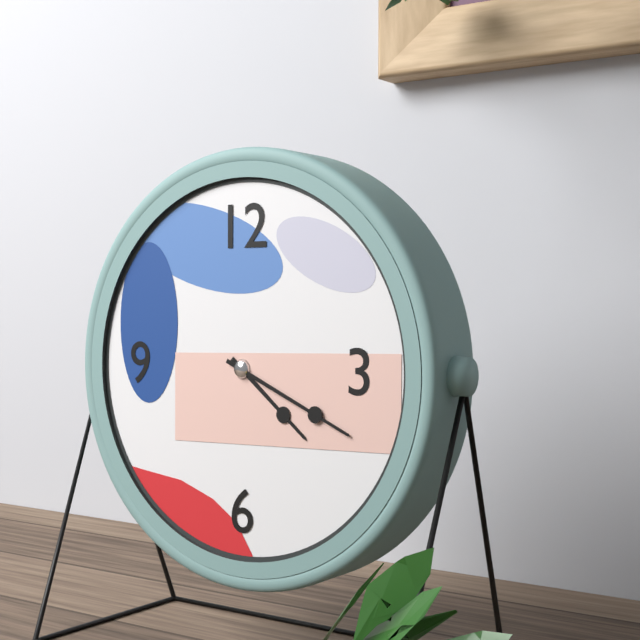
4:19
